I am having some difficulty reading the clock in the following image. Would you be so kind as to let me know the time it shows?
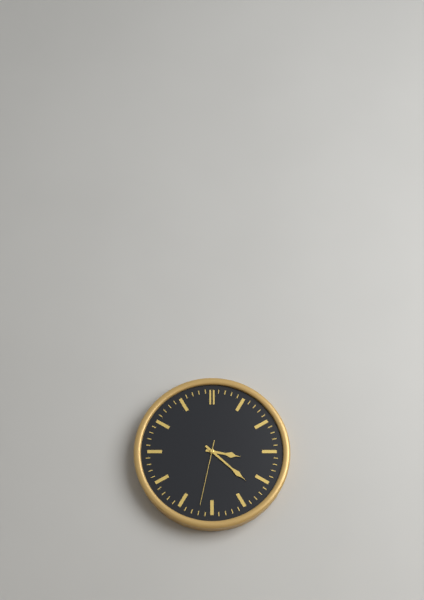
3:22:32
